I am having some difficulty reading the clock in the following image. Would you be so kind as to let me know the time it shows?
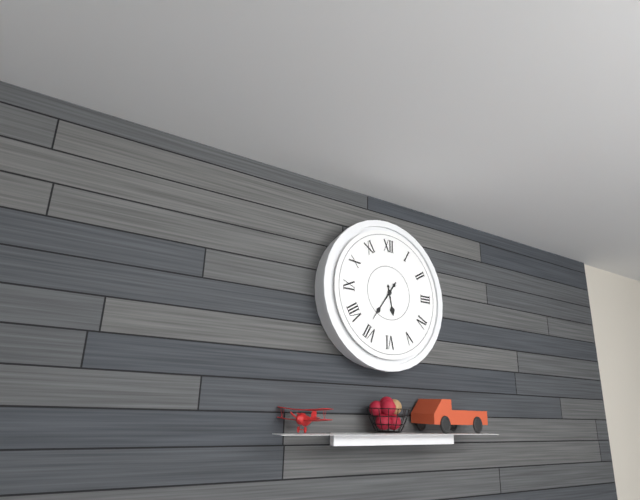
5:36
